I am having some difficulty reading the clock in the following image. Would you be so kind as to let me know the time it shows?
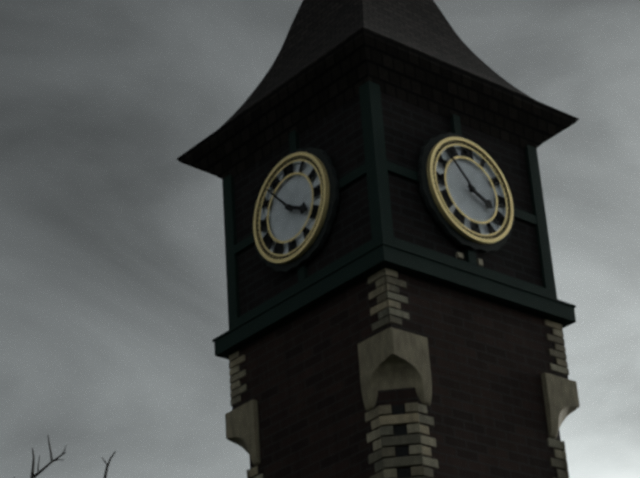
3:53
